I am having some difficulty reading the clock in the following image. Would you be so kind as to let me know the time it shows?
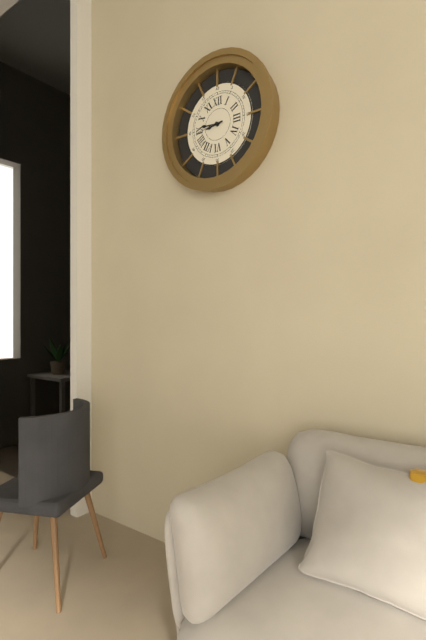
8:46
